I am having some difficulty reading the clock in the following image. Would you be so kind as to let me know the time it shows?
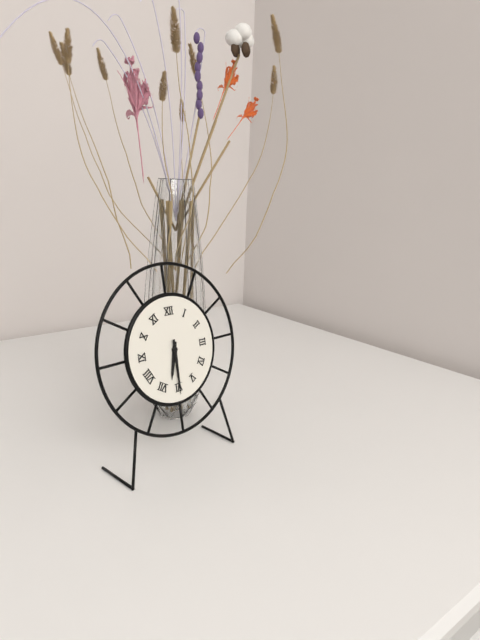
6:30
